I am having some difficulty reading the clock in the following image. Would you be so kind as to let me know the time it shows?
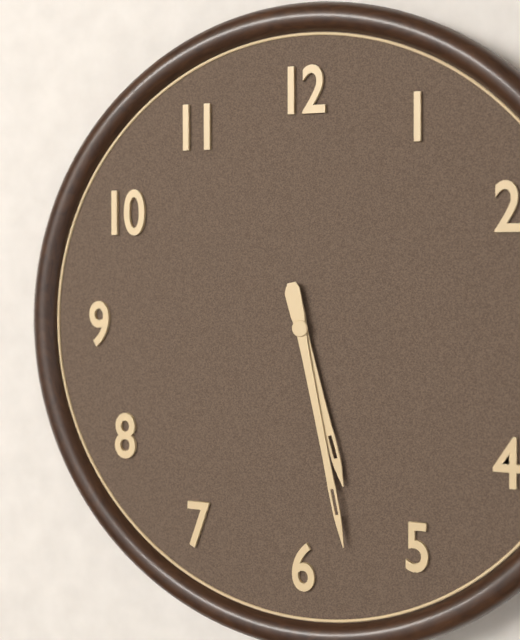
5:28
